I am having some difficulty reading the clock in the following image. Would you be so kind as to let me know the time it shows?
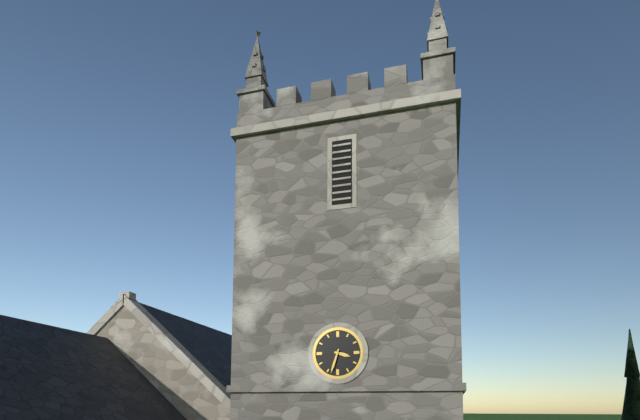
3:33
